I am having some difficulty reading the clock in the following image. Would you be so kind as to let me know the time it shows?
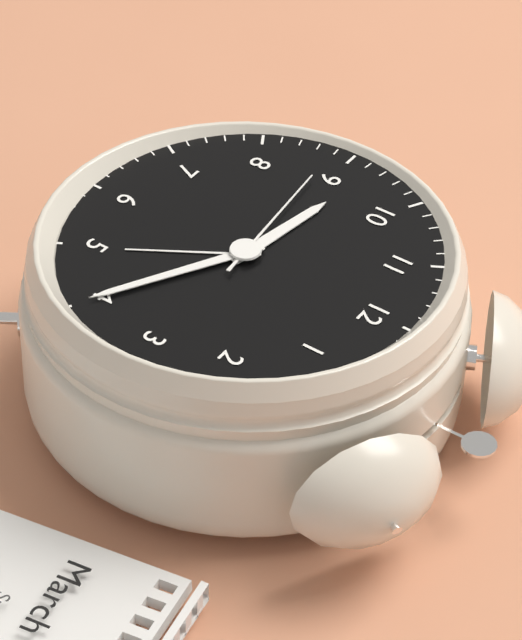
9:20:44
